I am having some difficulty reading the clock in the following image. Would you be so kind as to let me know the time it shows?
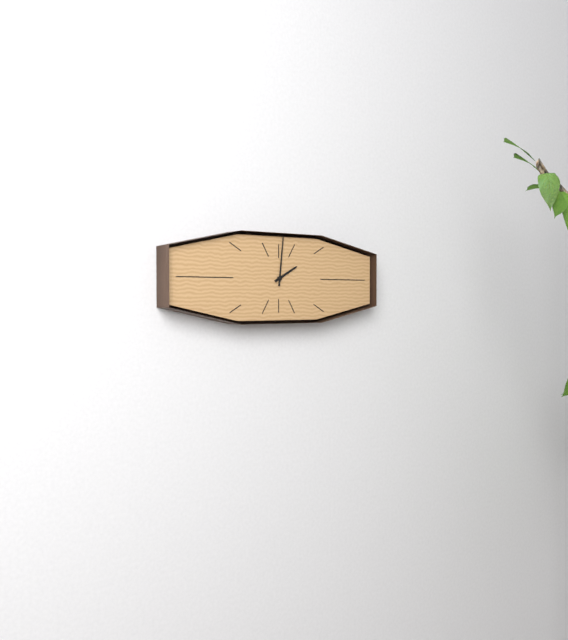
2:01
